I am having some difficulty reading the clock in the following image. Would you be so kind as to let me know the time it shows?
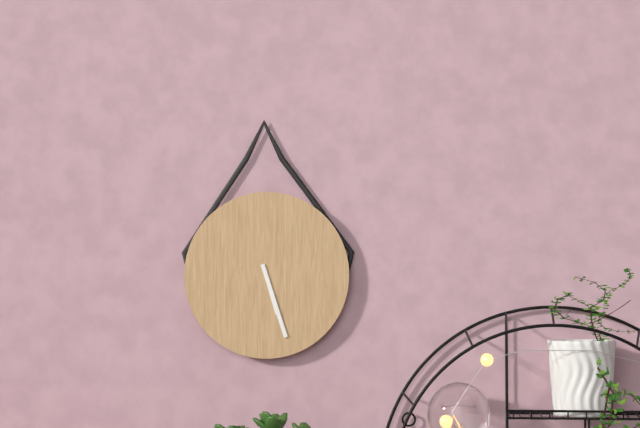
5:27
